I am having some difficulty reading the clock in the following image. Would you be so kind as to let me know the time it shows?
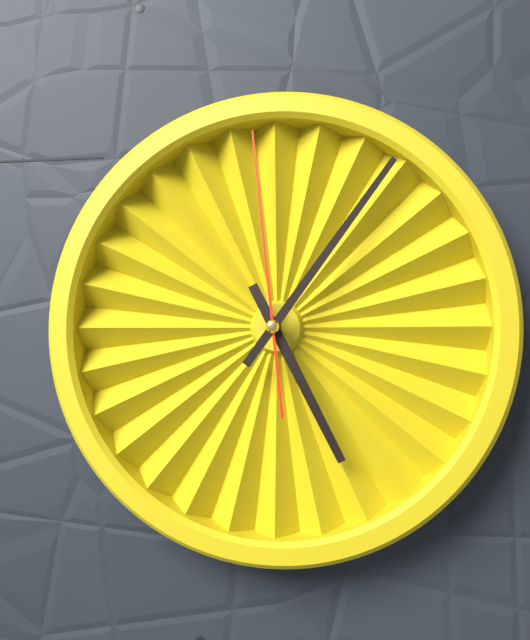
5:06:59
